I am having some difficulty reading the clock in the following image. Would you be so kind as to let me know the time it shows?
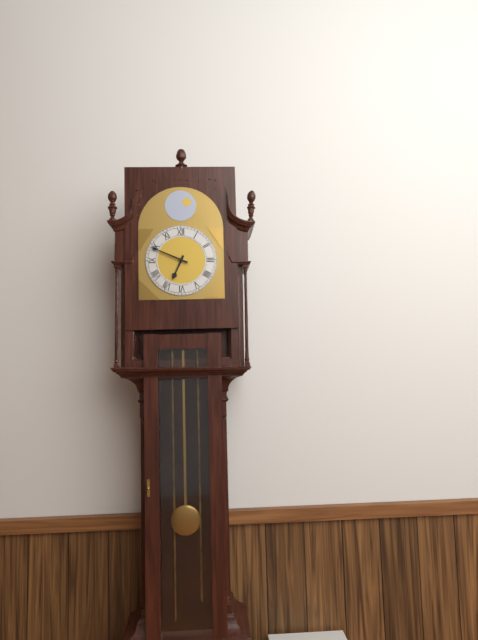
6:49
